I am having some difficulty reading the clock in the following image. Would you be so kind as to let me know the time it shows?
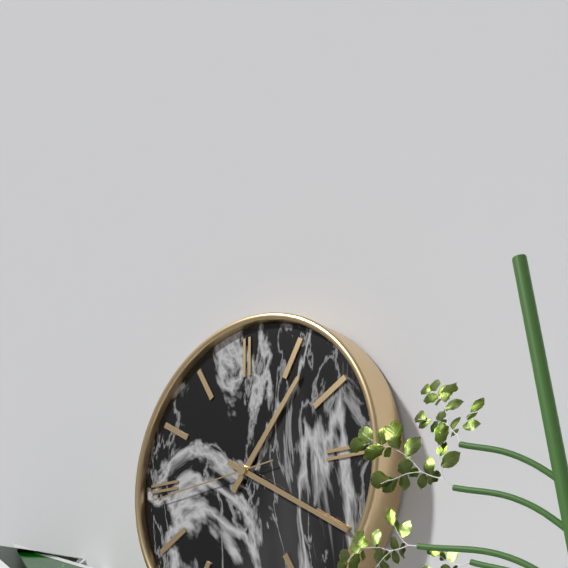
1:20:44
